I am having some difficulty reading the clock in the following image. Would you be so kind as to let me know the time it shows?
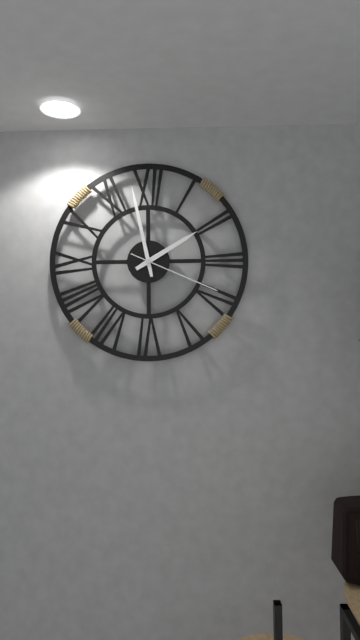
1:58:19
